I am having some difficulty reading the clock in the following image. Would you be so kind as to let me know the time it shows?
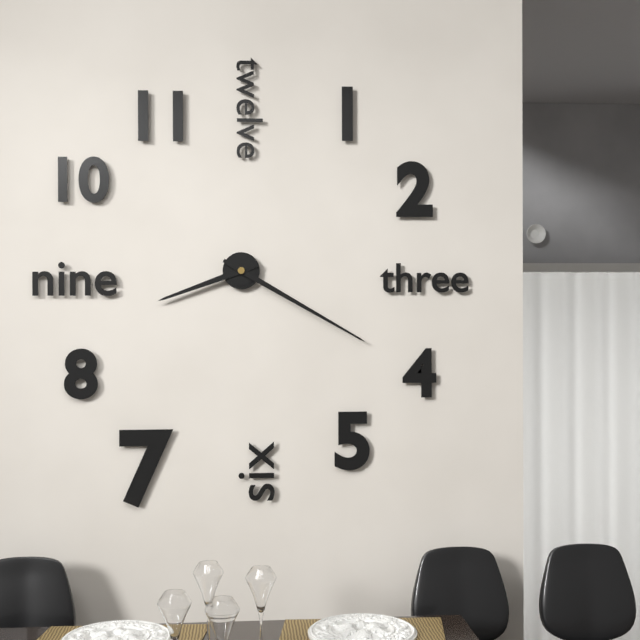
8:20
